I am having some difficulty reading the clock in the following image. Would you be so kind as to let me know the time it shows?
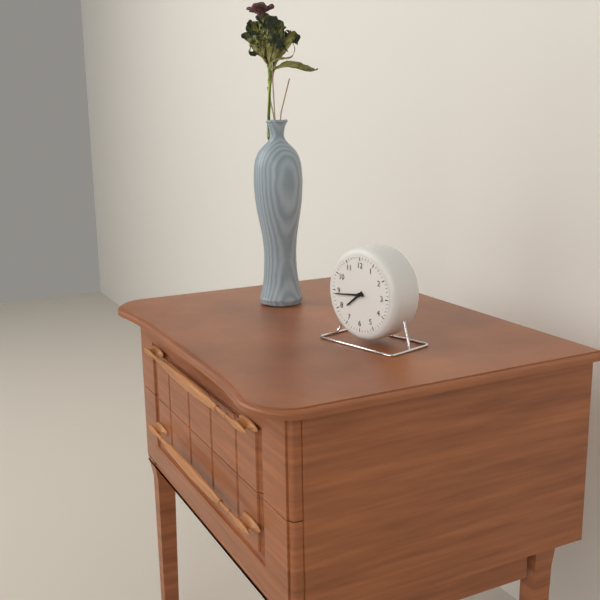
7:44
